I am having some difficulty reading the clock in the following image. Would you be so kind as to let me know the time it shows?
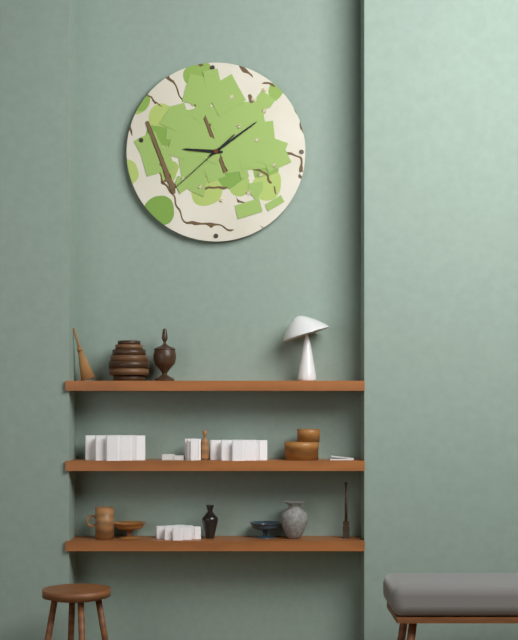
9:09:38
